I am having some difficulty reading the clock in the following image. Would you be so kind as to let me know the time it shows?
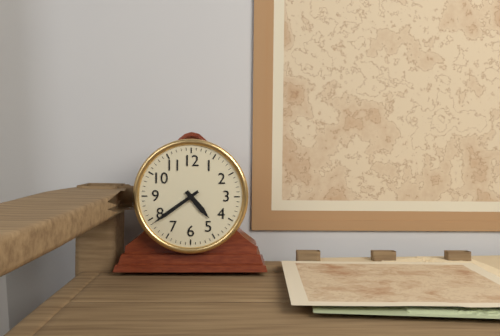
4:39
